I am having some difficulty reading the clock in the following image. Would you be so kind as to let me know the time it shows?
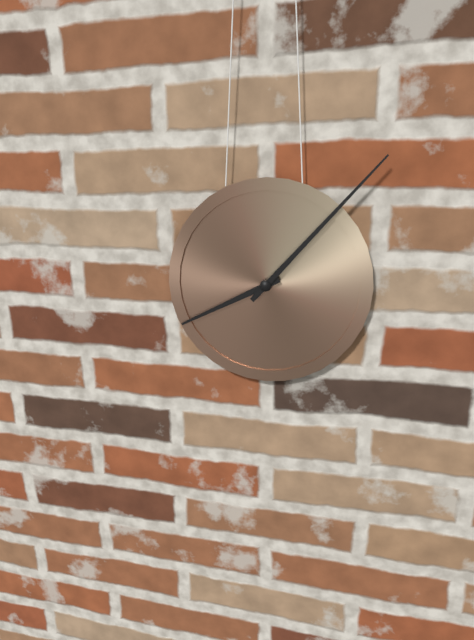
8:07
